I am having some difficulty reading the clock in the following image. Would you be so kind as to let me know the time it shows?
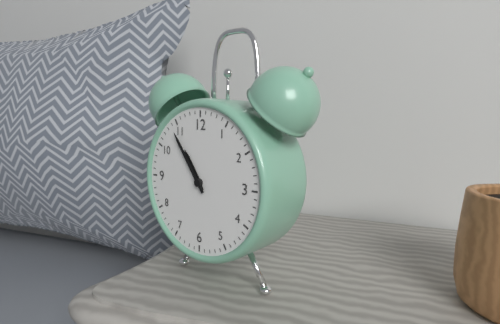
10:54
